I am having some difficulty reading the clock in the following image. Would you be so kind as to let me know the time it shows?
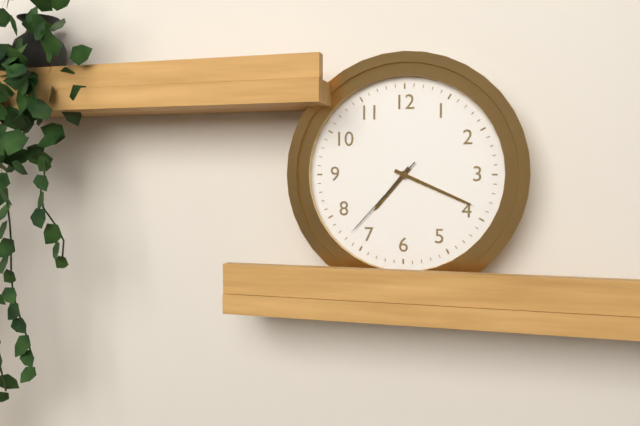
7:19:37
